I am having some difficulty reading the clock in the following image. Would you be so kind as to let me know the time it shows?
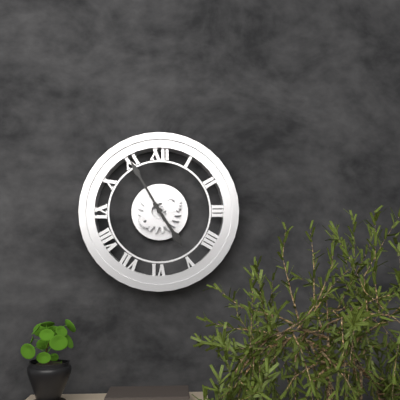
4:55
